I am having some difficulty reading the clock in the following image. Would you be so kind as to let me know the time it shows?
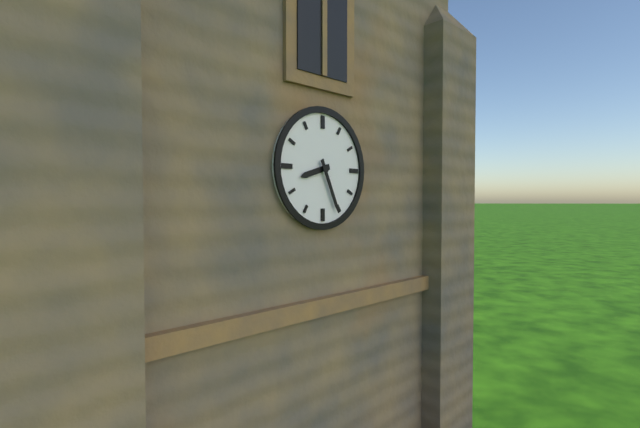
8:26
